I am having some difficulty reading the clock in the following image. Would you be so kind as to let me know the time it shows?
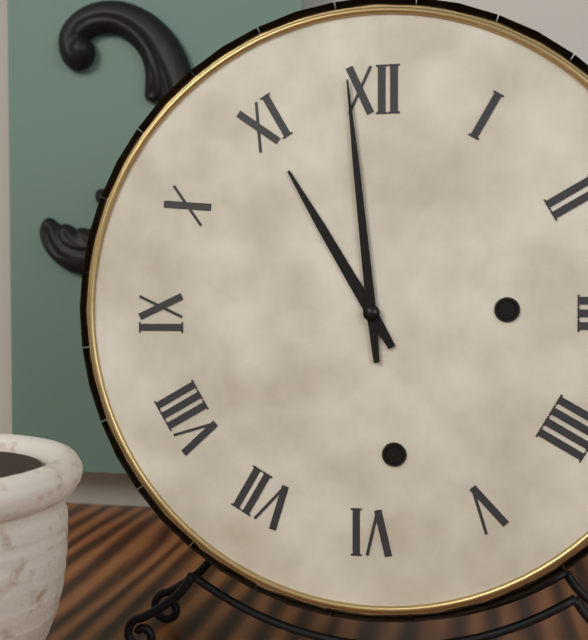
10:59
